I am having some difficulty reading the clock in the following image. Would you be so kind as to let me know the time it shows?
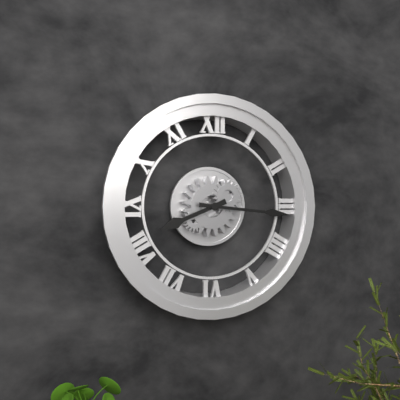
8:16
